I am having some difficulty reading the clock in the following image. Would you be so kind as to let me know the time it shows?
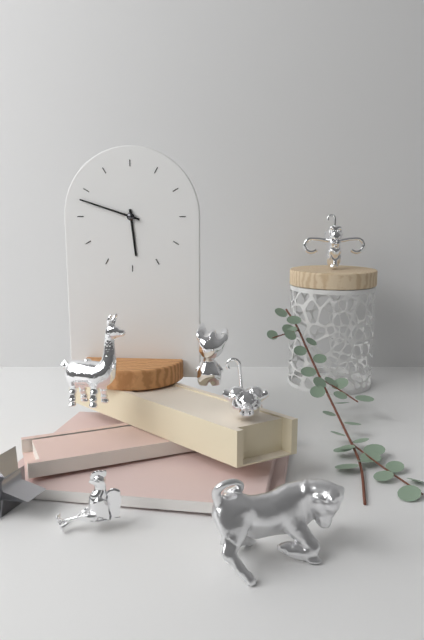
5:48
